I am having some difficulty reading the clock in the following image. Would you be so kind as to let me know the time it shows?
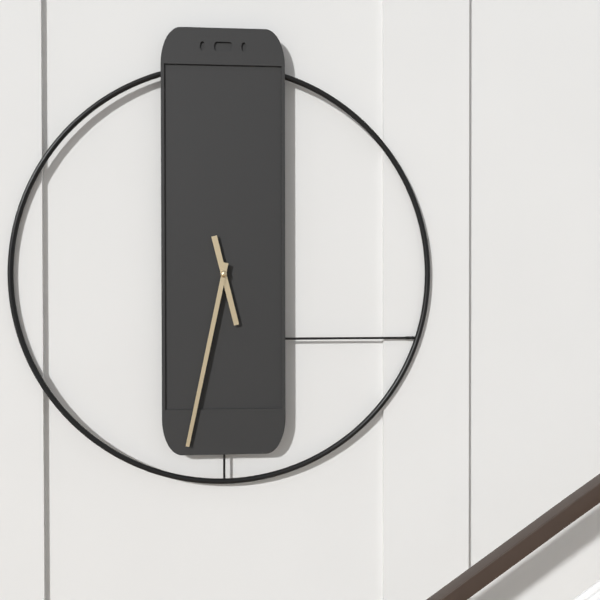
5:32
